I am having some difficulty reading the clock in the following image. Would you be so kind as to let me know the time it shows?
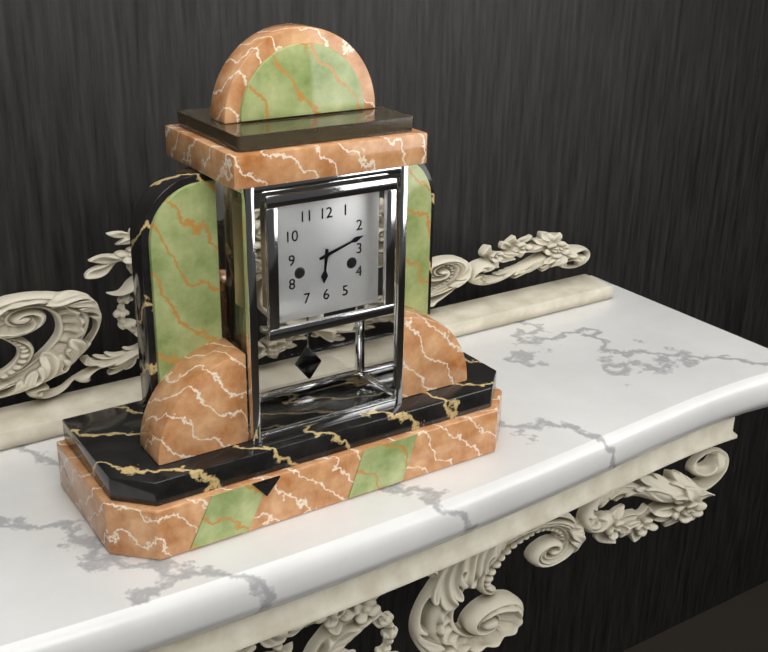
6:12
